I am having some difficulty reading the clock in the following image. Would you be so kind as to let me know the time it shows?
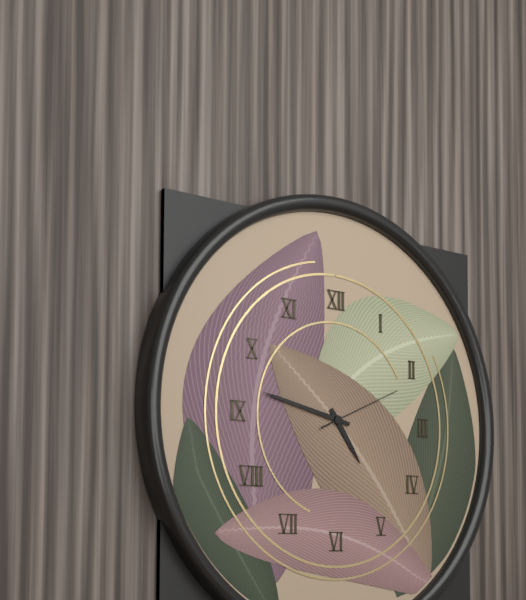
4:47:11
